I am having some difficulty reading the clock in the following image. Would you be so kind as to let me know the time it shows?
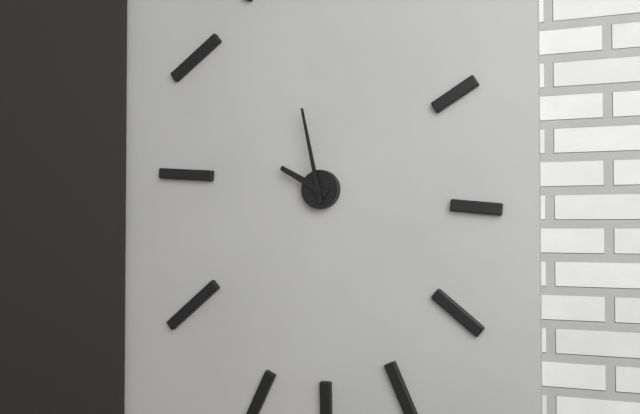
9:58
